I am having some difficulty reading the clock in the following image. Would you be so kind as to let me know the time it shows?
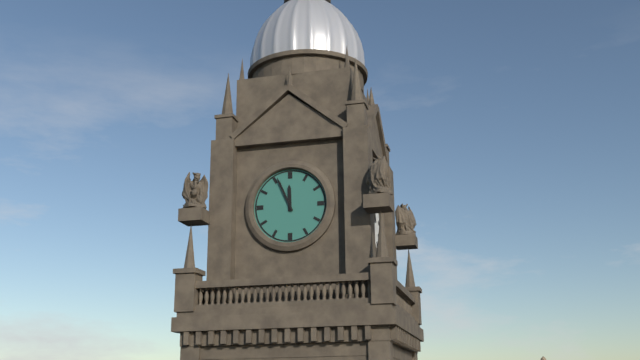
11:56
